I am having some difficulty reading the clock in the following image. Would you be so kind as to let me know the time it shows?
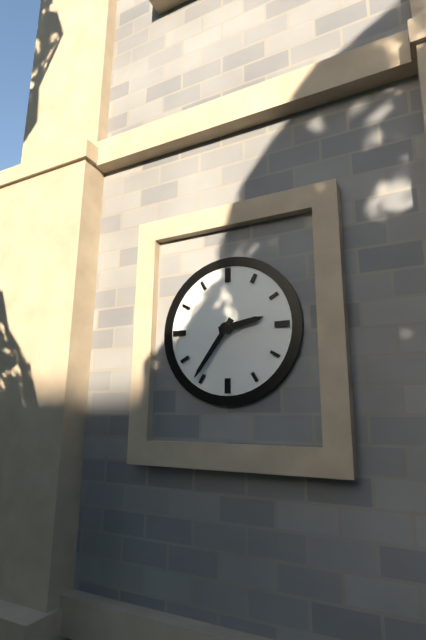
2:36
